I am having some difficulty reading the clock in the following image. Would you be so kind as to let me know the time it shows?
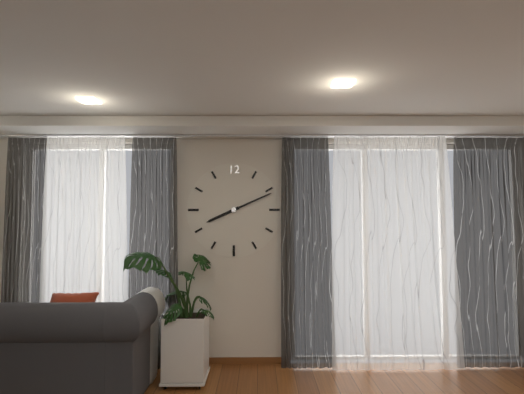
8:11
